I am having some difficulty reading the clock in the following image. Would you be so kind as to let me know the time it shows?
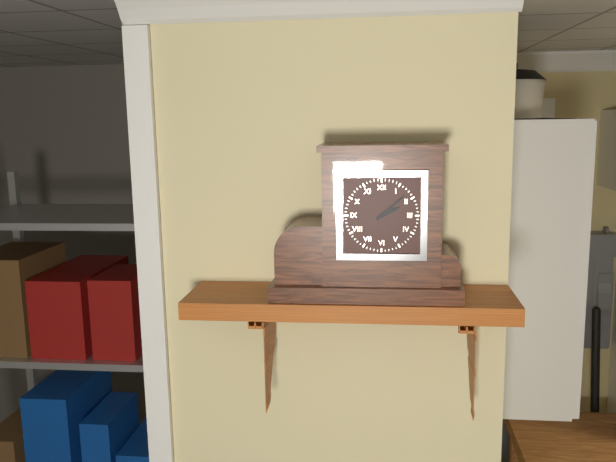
2:08
